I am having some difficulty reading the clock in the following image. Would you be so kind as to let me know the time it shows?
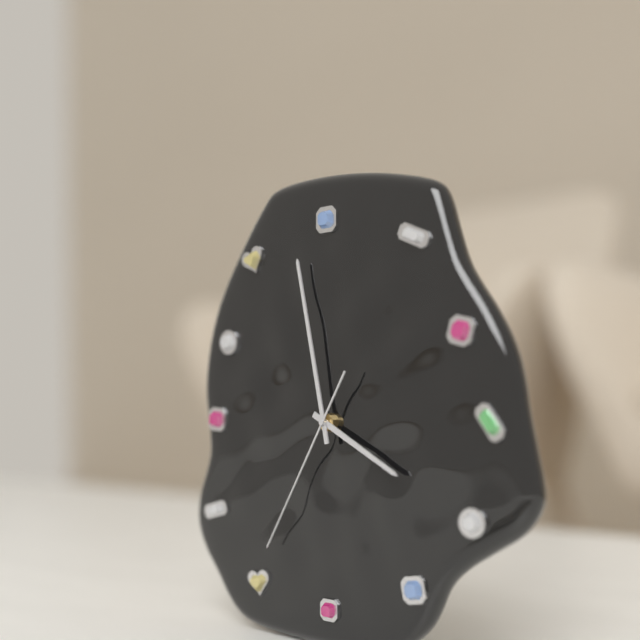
3:58:35
